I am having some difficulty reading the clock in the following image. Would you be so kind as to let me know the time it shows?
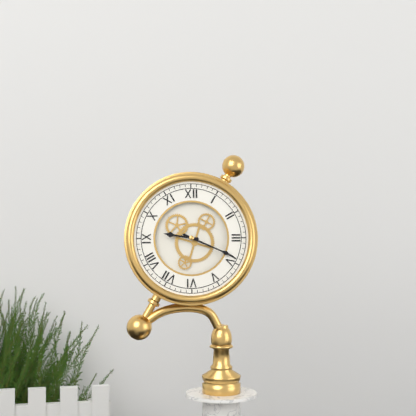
9:19
